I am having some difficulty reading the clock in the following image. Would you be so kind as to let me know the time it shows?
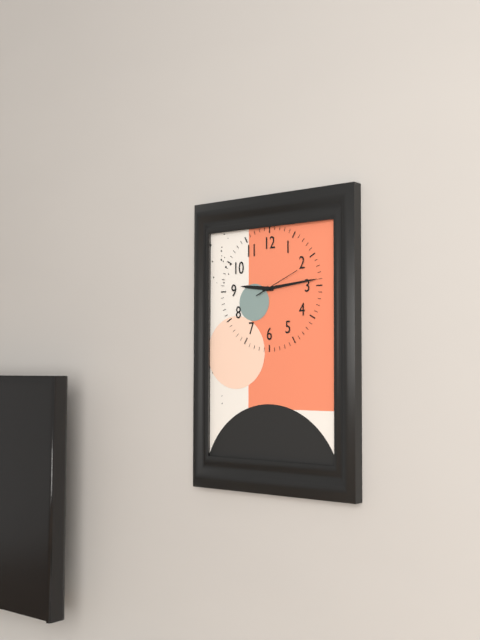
9:14
